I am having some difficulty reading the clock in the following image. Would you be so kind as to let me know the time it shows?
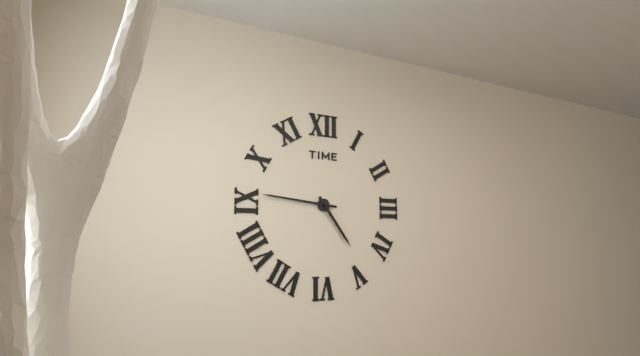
4:46
